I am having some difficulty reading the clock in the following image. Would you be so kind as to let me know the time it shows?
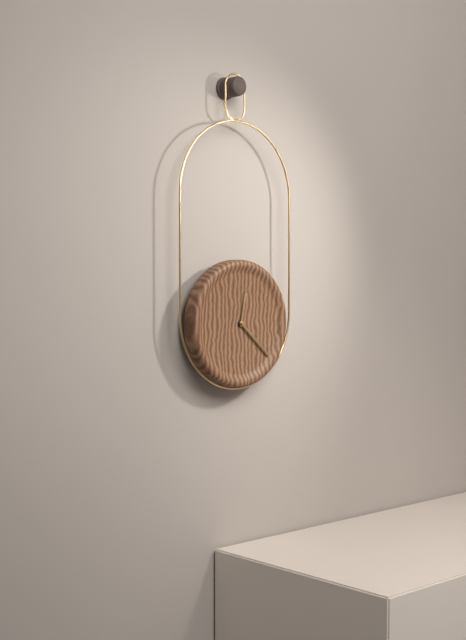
12:22
